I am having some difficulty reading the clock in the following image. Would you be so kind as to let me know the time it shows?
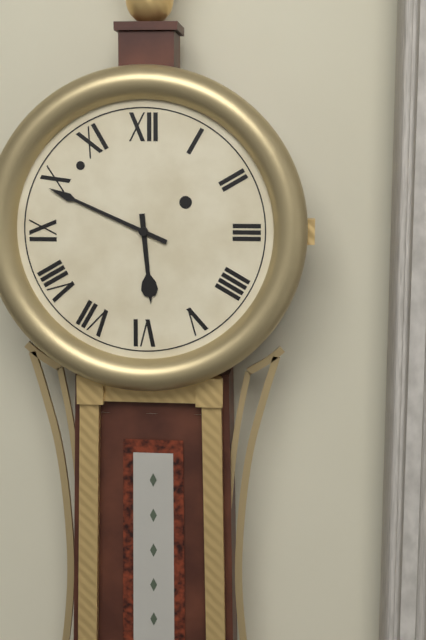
5:49
